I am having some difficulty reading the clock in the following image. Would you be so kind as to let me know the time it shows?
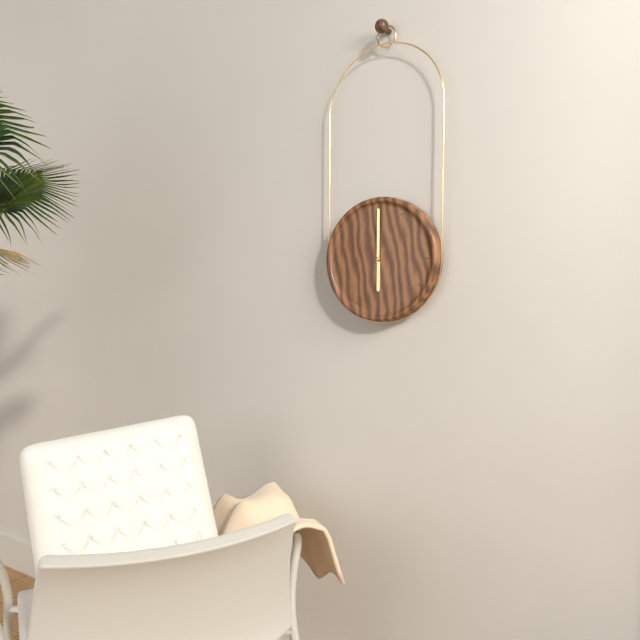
6:00
